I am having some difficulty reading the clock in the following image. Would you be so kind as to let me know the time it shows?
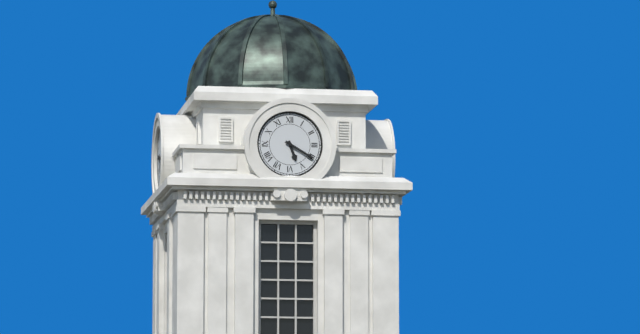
5:20
